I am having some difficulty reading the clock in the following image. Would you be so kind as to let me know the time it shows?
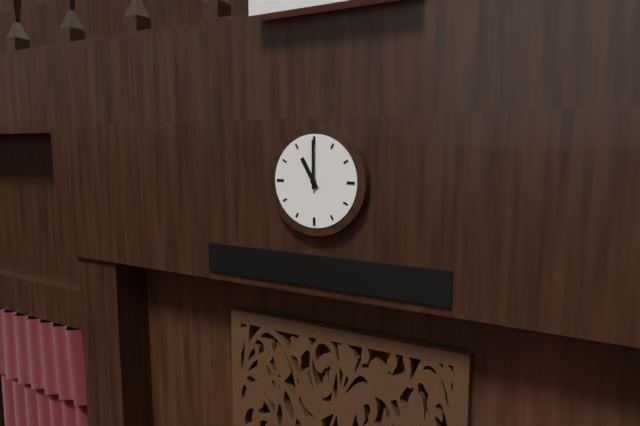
11:00
